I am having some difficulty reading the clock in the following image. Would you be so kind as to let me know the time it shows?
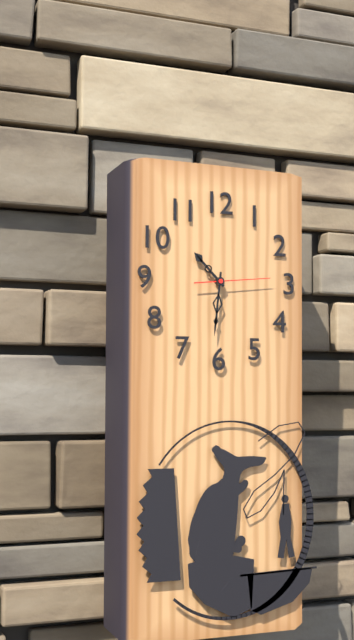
10:31:14
